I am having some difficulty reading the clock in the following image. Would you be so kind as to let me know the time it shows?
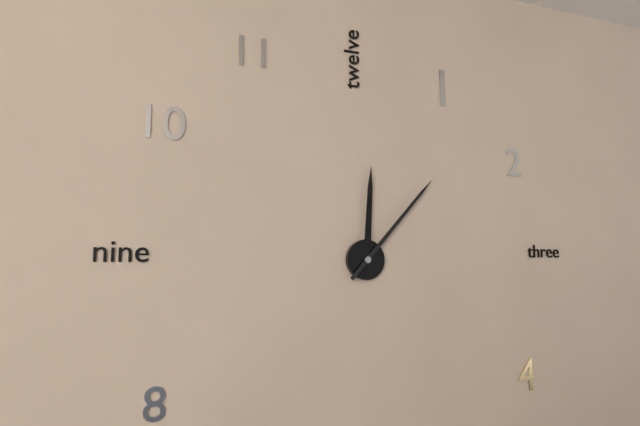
12:07
